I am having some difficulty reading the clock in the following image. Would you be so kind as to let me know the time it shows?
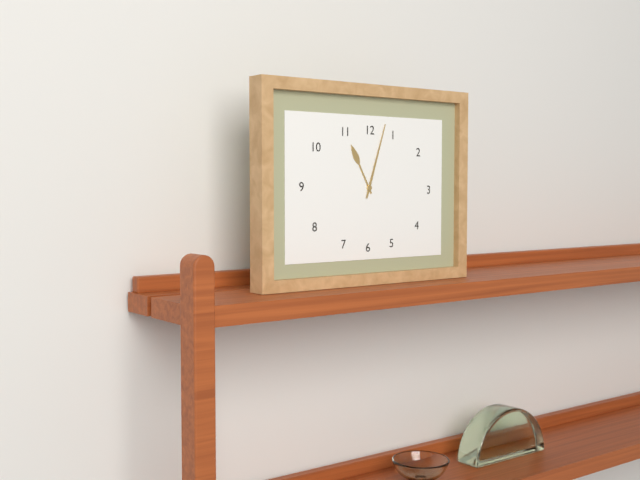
11:03
